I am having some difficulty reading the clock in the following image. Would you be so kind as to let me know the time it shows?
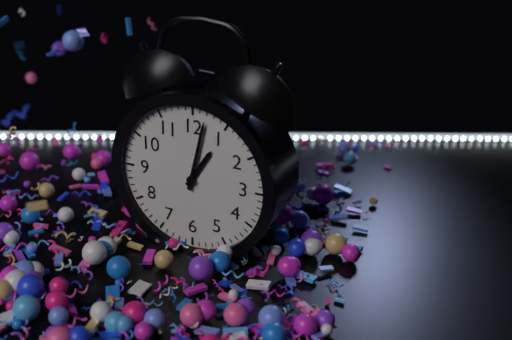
1:02
